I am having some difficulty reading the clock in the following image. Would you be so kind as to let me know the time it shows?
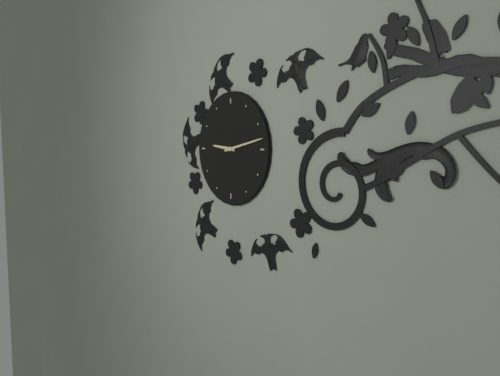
9:13
